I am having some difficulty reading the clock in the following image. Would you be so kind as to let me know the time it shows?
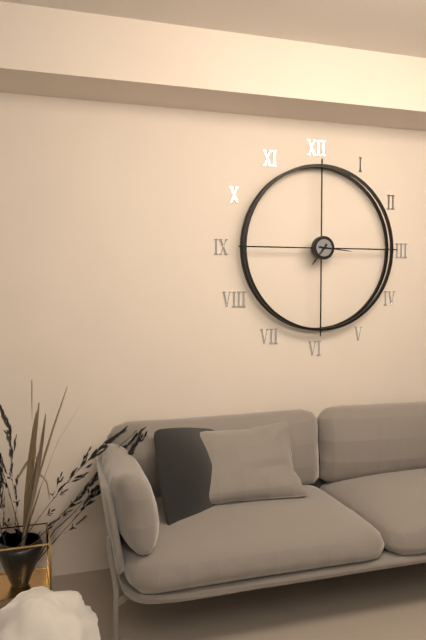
7:16
